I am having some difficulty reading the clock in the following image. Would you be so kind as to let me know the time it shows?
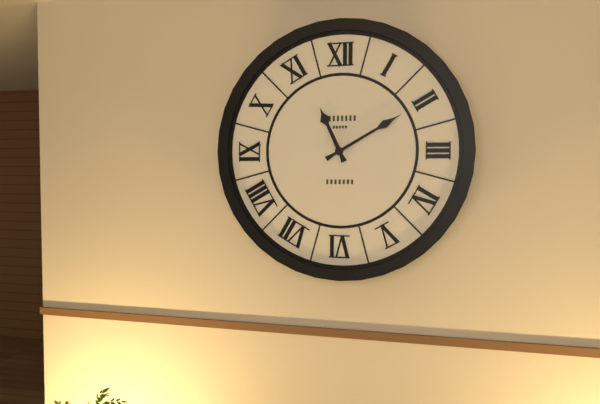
11:10
